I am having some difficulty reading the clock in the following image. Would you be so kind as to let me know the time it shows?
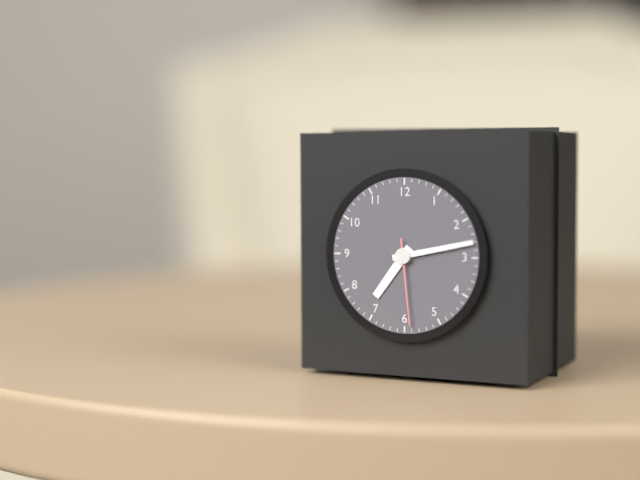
7:13:29
